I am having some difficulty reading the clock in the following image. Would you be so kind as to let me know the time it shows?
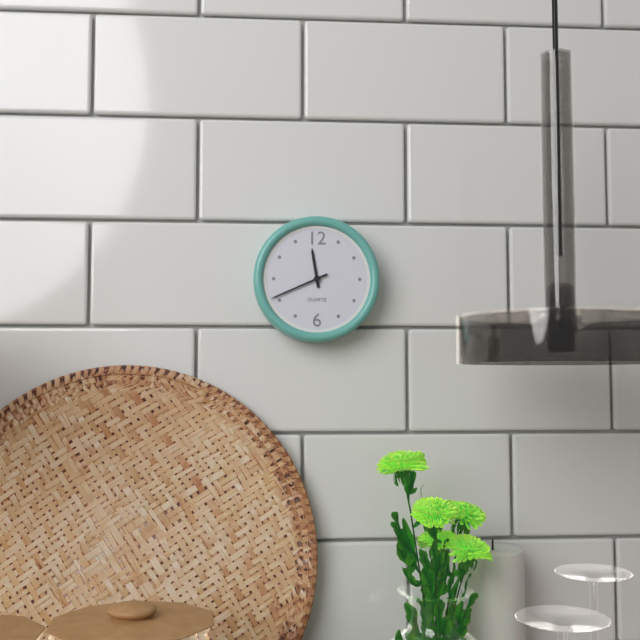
11:41
